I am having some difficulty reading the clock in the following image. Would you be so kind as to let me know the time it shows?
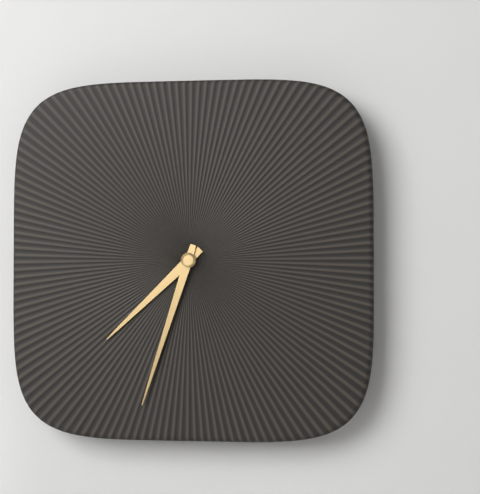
7:33
